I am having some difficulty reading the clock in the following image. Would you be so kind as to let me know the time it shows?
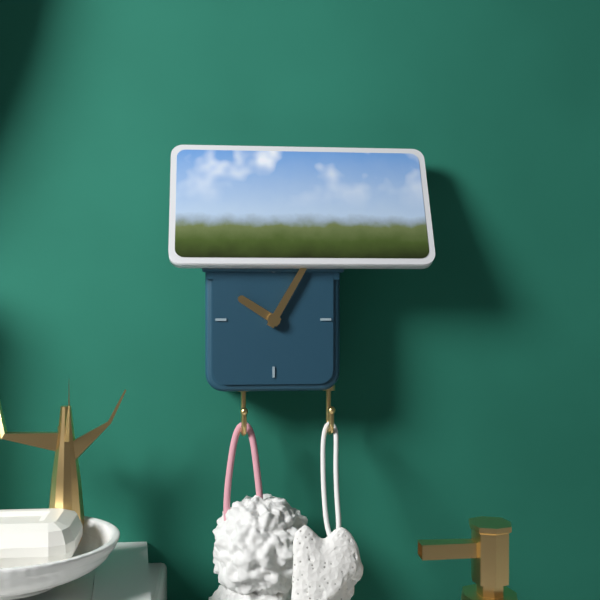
10:05
